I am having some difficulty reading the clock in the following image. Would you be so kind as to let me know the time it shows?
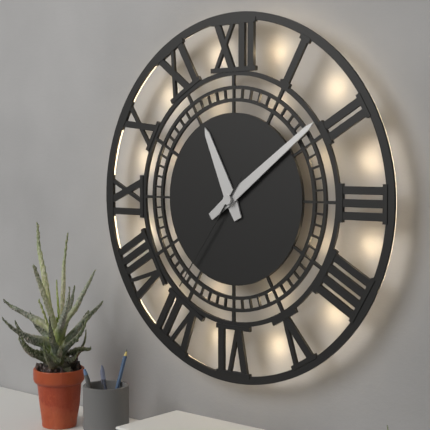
11:09:36
